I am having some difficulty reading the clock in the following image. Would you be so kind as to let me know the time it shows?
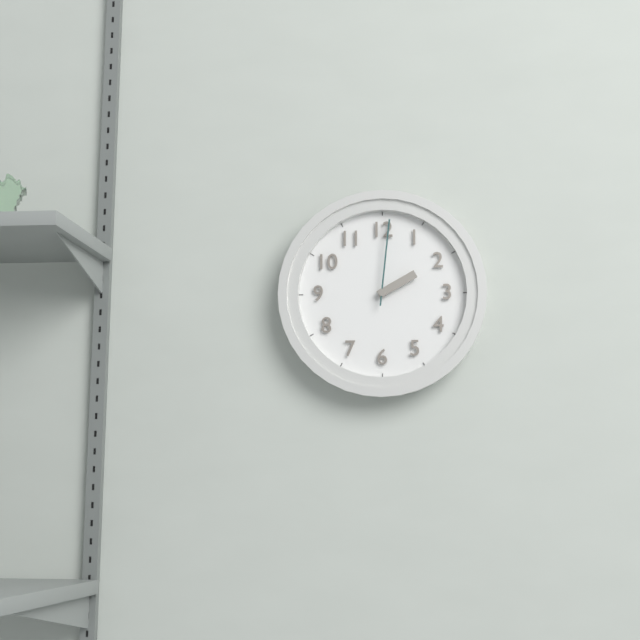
2:01
